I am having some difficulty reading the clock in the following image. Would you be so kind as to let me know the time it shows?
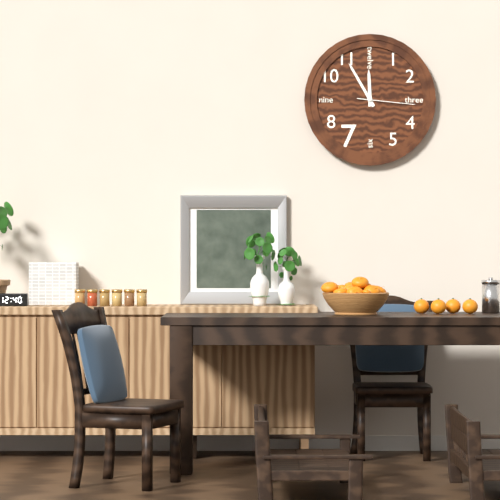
11:55:16
